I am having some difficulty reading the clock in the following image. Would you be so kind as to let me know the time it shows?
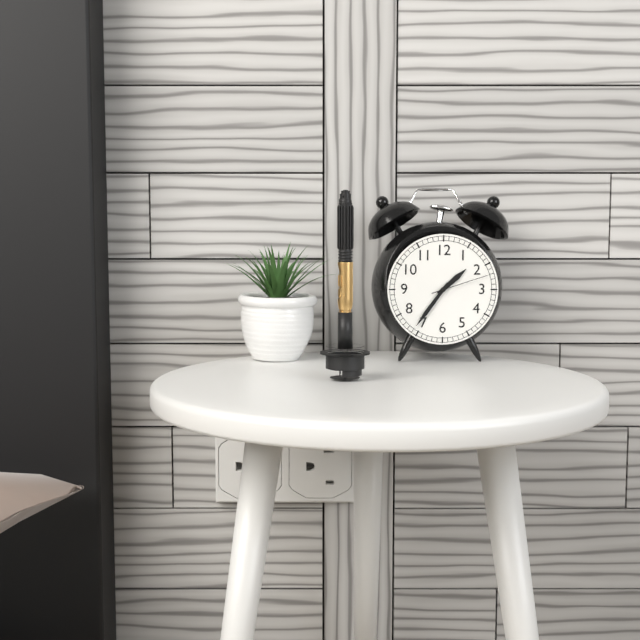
1:36:12
